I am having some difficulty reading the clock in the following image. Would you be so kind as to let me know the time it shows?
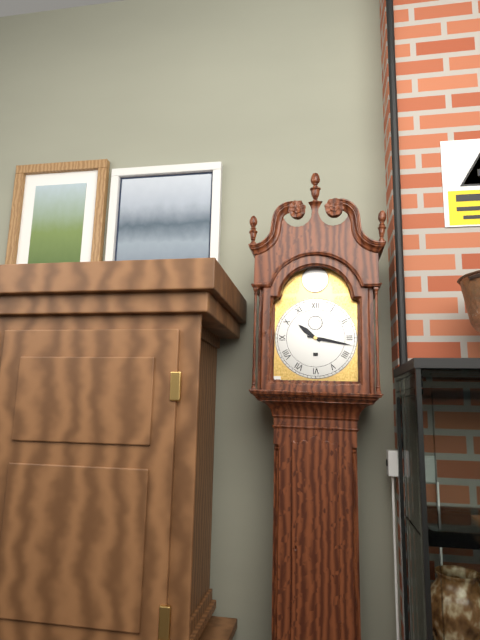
10:17
